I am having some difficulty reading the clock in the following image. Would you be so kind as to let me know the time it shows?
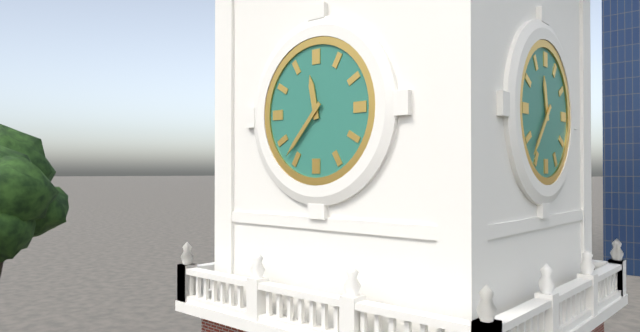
11:37
